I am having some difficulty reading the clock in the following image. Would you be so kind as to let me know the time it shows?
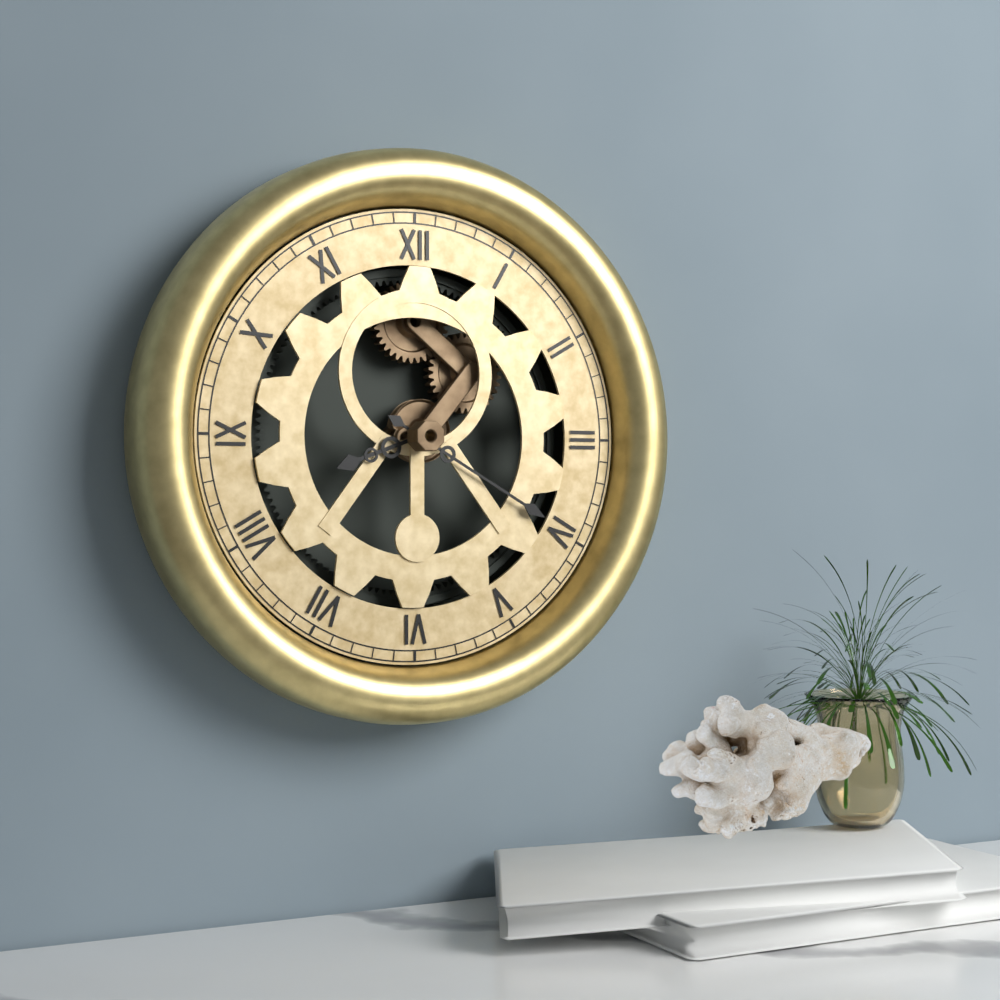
8:20
